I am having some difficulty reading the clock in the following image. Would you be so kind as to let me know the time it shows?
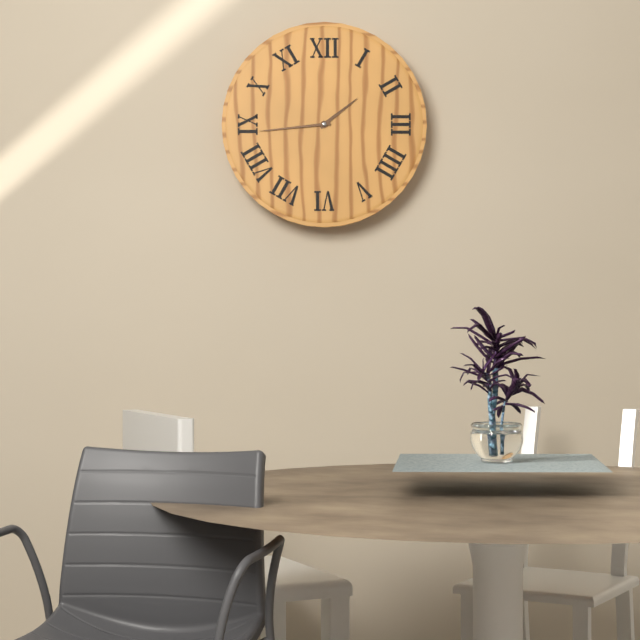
1:44
